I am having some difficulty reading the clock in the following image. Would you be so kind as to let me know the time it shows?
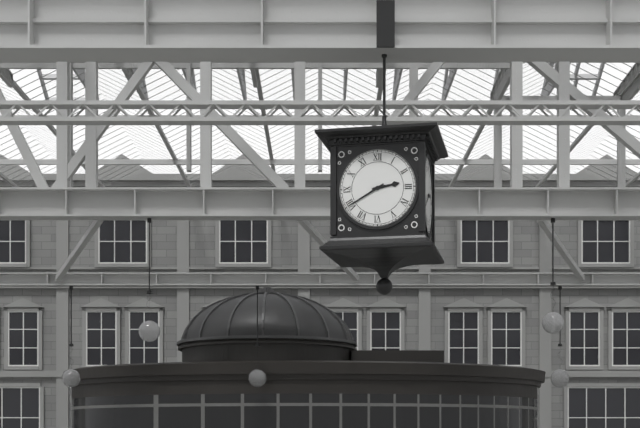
2:40
